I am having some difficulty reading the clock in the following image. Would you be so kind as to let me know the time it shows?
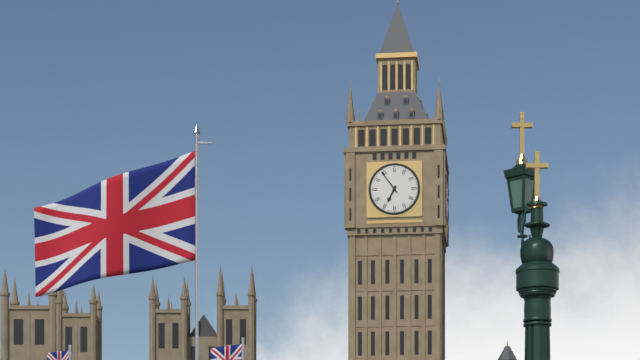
6:54
